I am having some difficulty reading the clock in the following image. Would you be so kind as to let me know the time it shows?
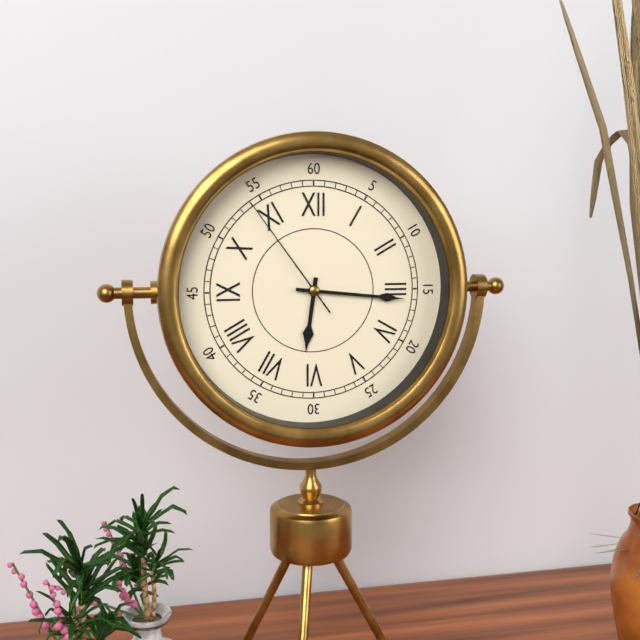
6:16:54
